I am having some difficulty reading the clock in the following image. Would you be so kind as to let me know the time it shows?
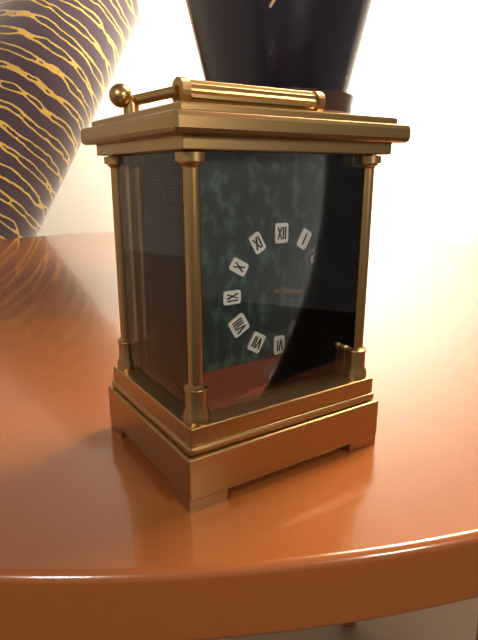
3:16
